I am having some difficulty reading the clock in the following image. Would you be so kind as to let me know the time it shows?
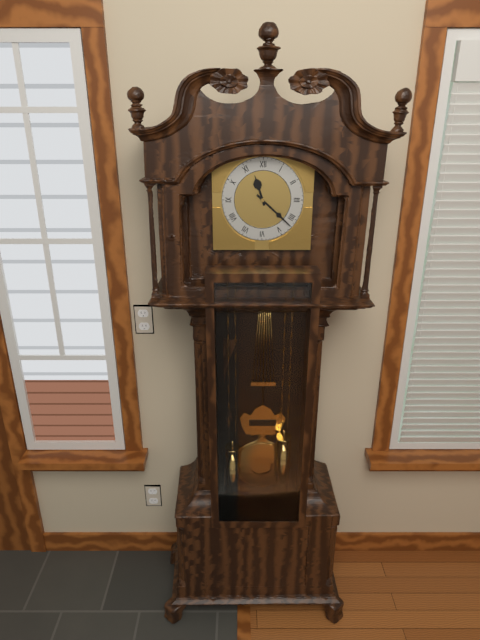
11:22
